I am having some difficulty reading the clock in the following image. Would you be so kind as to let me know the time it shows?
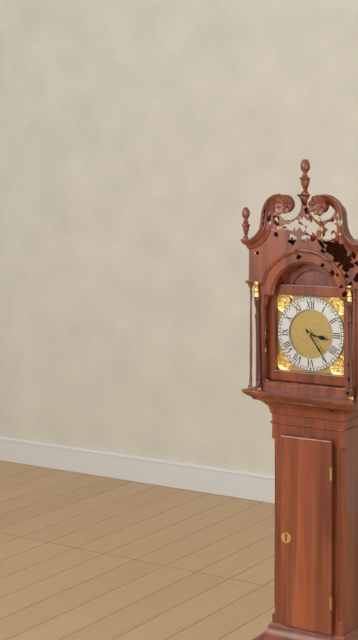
3:24
